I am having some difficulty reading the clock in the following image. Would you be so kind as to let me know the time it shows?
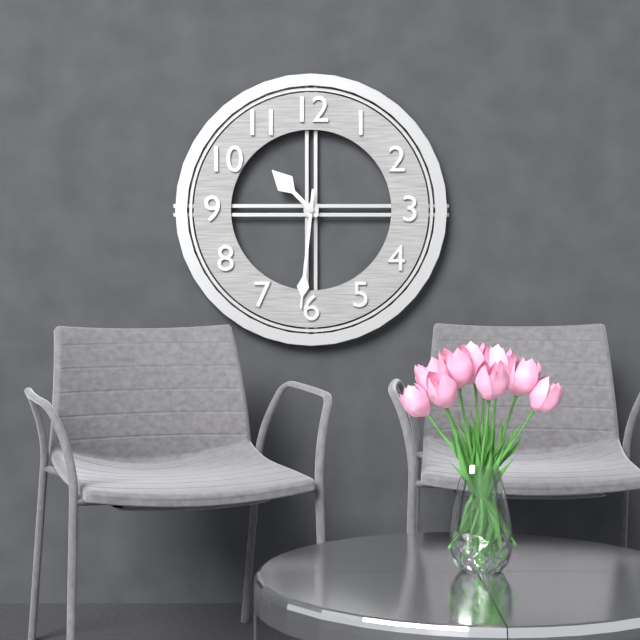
10:31
